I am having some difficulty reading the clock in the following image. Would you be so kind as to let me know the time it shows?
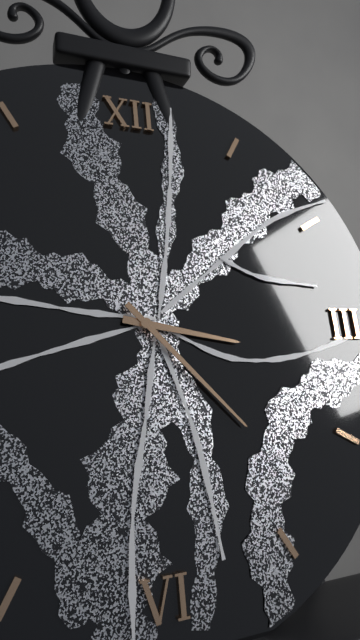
3:23
